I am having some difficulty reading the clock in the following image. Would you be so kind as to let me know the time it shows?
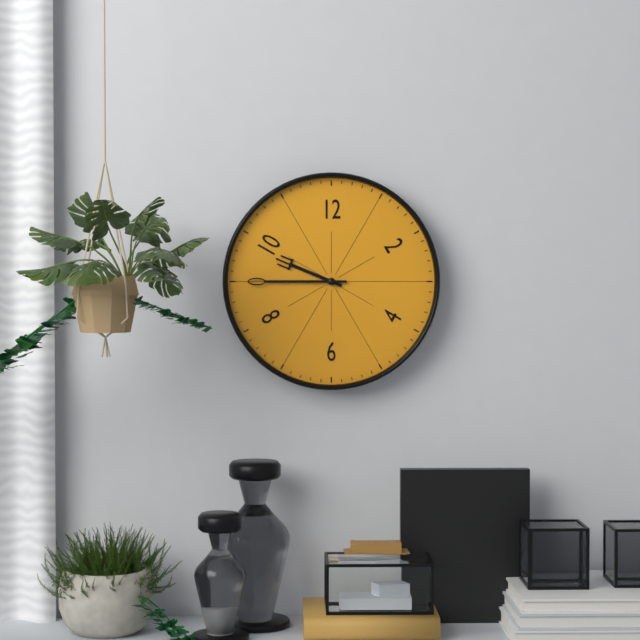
9:45
